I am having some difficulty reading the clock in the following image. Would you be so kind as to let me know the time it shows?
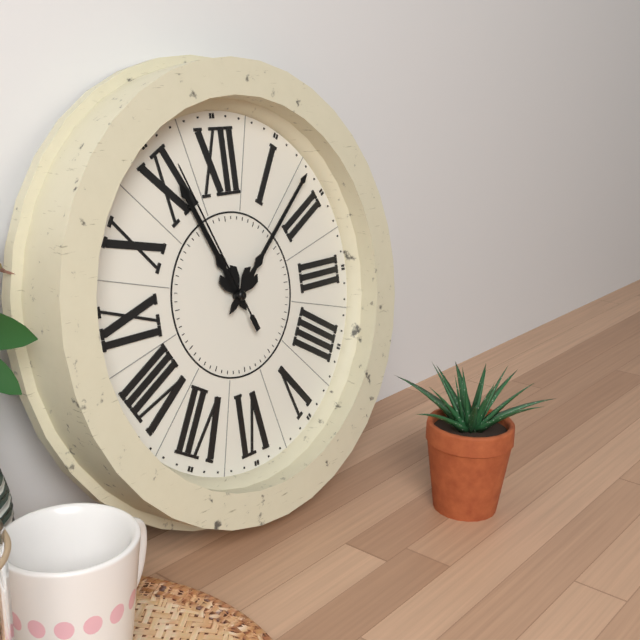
11:08:56
